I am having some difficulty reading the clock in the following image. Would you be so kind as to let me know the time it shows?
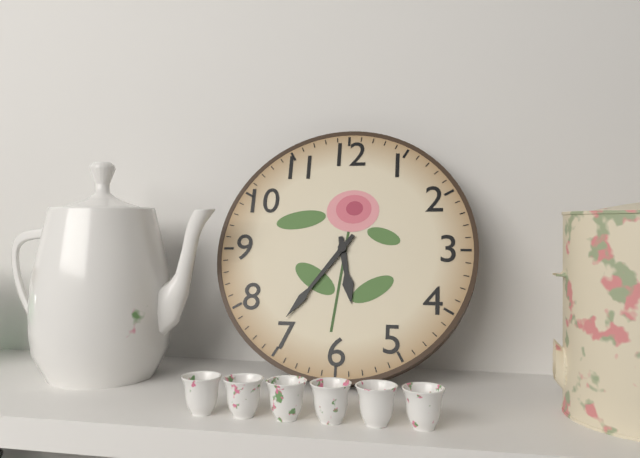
5:36
